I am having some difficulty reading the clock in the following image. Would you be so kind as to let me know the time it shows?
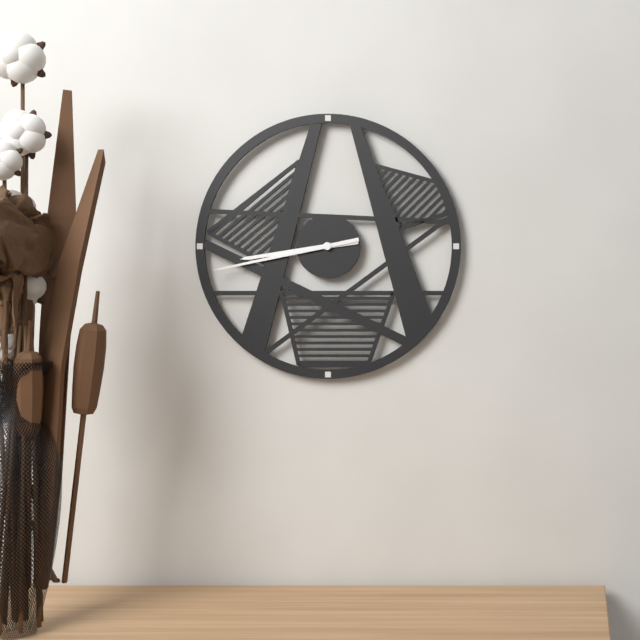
8:43
